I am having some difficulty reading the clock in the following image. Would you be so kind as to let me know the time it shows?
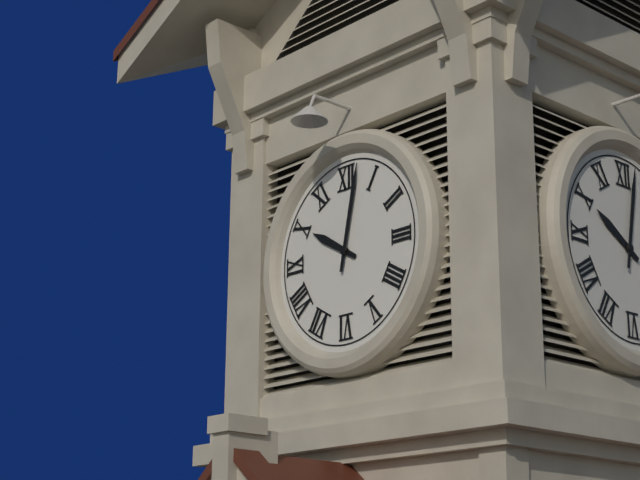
10:02
